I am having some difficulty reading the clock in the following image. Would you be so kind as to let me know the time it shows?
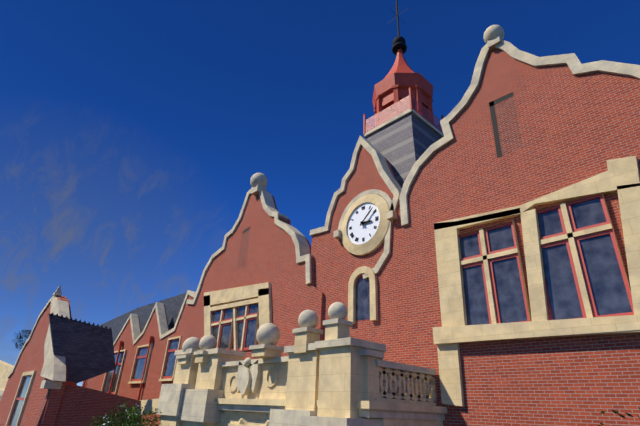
3:08
